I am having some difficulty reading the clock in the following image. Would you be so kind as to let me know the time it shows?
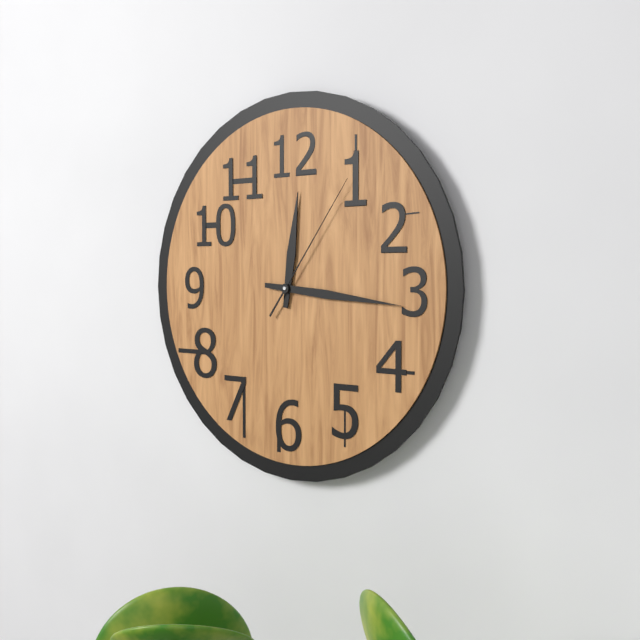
12:16:06
